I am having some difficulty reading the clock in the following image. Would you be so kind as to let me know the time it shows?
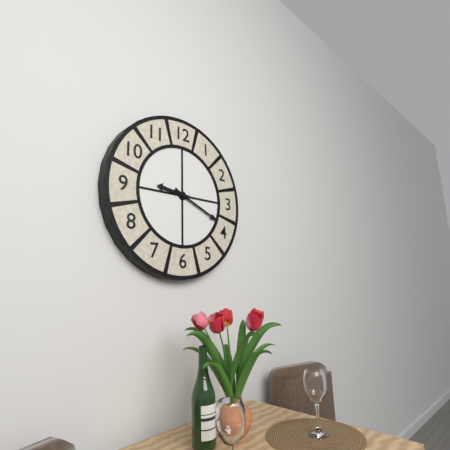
9:19
